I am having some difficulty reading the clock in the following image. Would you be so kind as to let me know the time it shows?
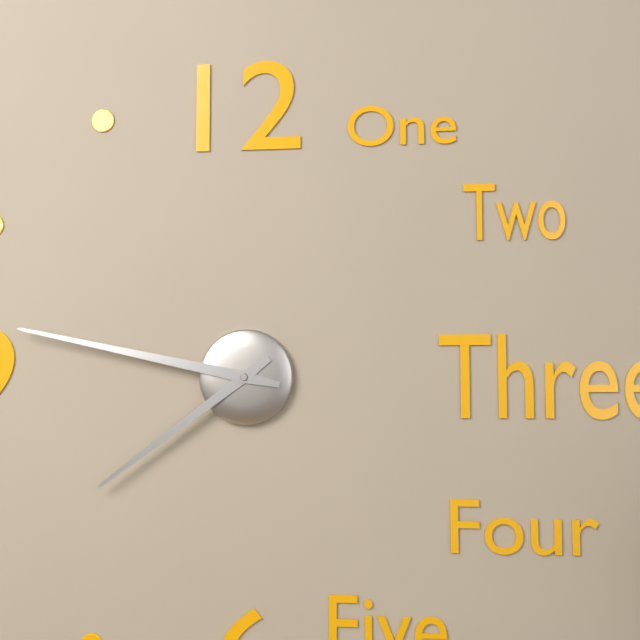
7:47
